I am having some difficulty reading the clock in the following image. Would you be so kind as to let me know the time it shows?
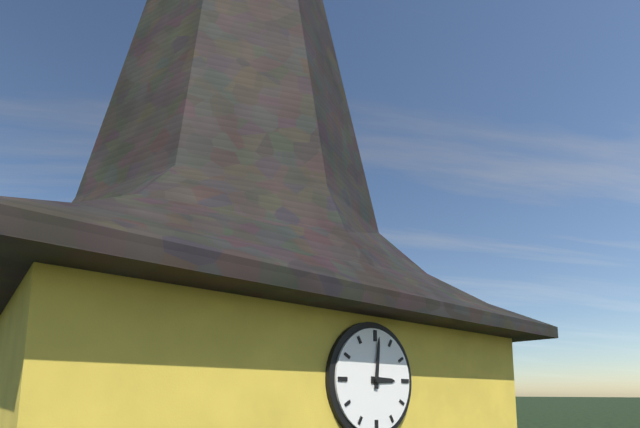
3:01
